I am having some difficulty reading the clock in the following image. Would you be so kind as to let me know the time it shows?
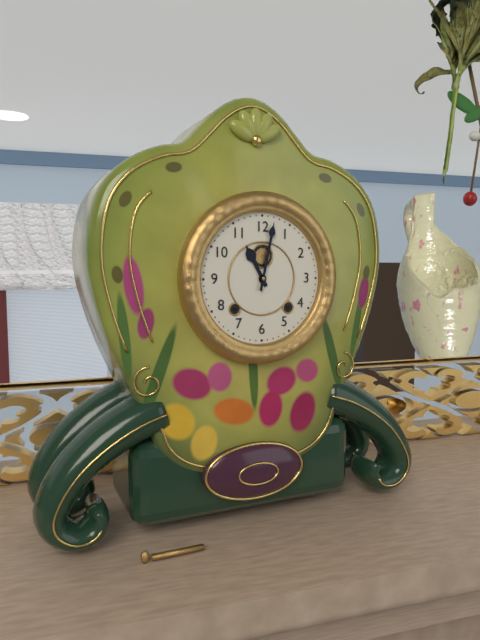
11:02
